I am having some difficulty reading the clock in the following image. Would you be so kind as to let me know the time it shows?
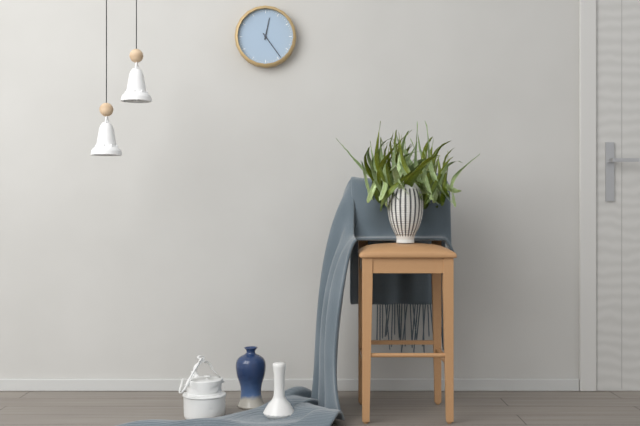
12:24
